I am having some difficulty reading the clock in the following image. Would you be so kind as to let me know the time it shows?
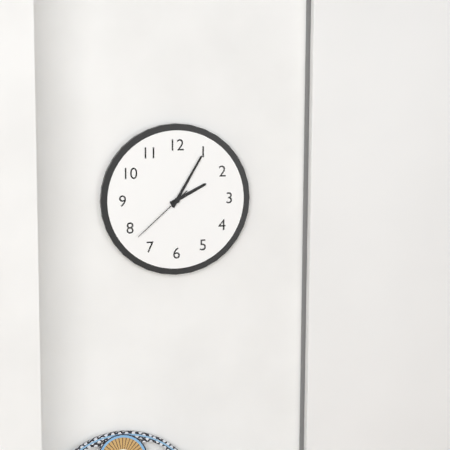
2:05:38
